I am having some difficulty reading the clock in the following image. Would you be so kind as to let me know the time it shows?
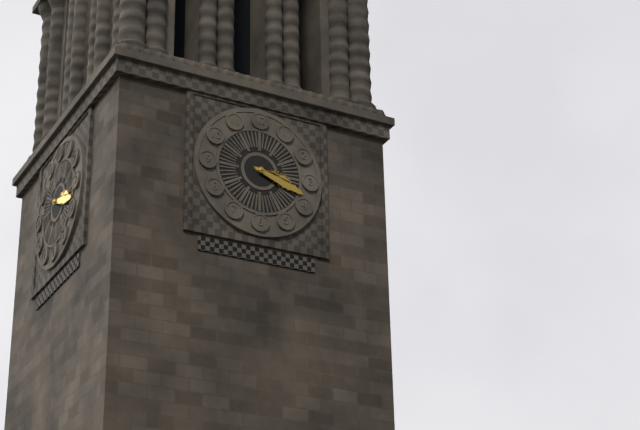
3:18
